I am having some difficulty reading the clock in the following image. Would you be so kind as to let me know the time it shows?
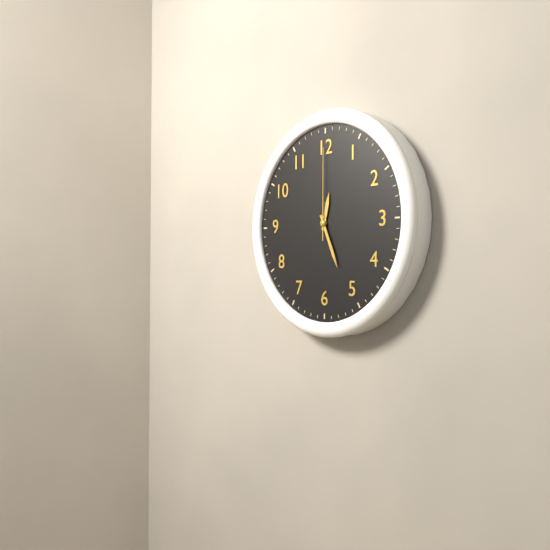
12:26:00
